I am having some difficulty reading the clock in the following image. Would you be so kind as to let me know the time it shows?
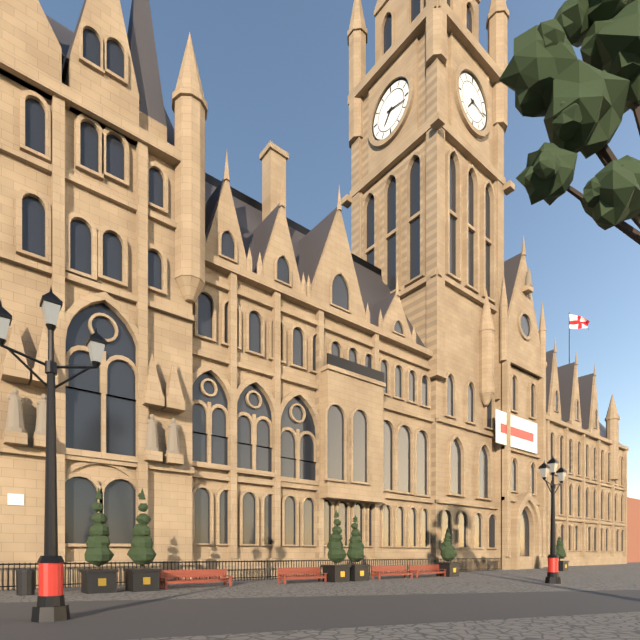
7:17
